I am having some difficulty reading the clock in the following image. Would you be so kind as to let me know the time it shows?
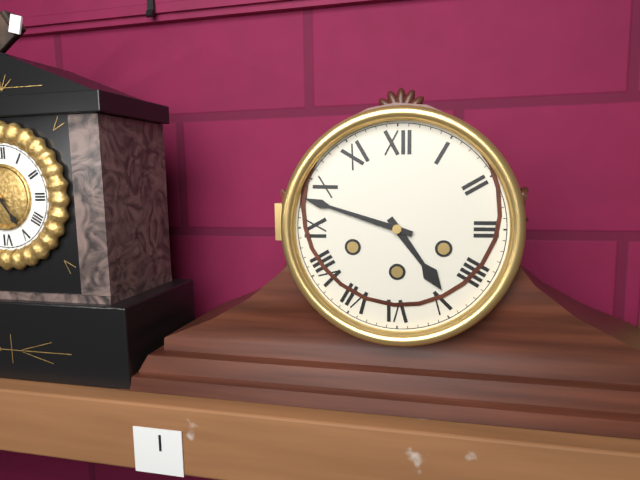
4:48
